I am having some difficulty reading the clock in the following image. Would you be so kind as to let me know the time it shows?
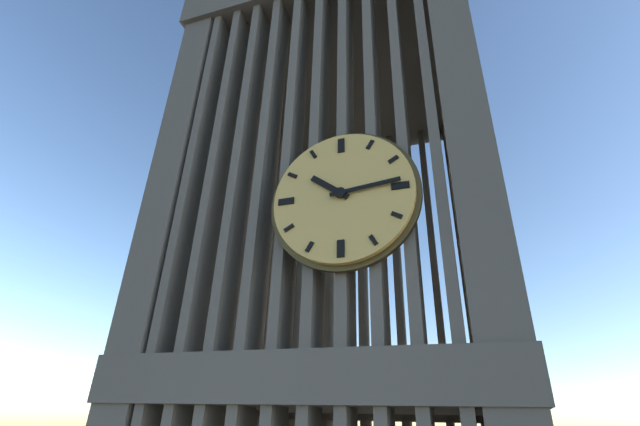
10:14
